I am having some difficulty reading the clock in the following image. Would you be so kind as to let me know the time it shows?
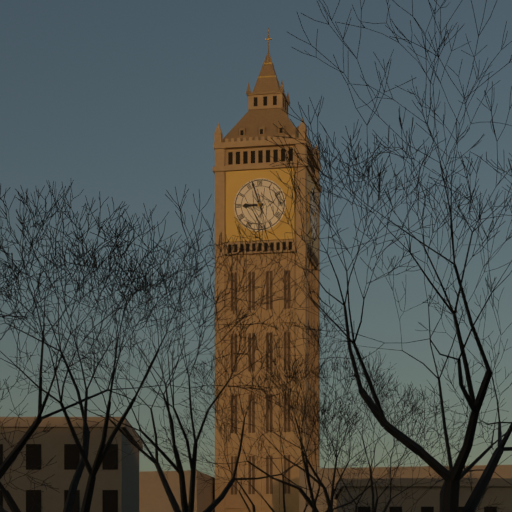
8:57
